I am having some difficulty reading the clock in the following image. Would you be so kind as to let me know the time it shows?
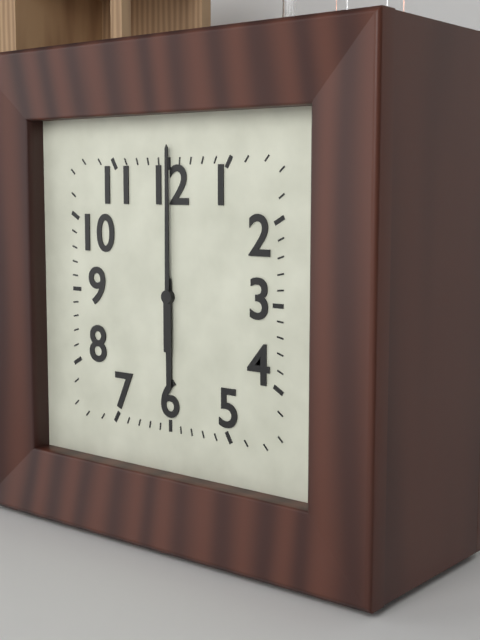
6:00
